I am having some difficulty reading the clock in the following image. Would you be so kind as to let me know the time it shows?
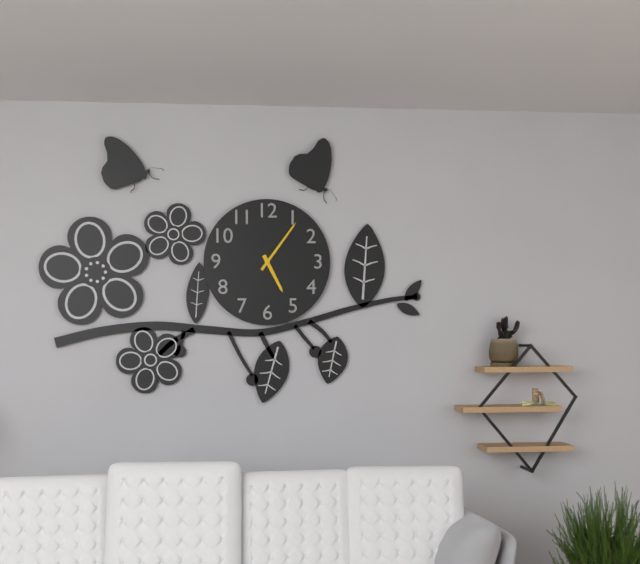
5:06
